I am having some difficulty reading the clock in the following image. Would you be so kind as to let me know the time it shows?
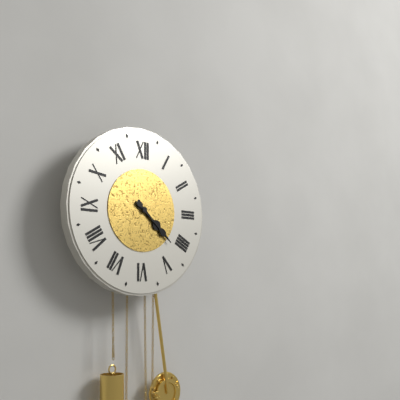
4:22
